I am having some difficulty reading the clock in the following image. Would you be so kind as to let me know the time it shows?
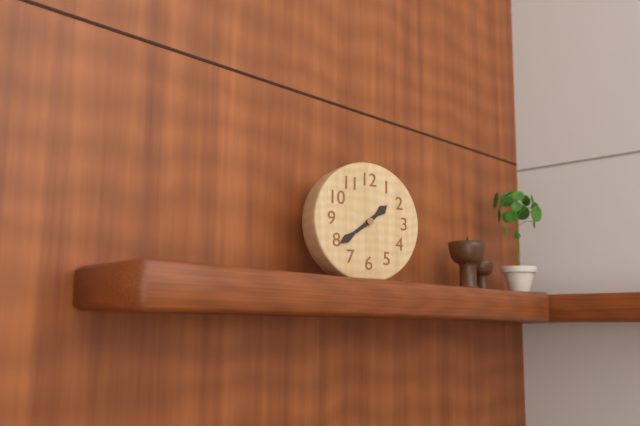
1:39
